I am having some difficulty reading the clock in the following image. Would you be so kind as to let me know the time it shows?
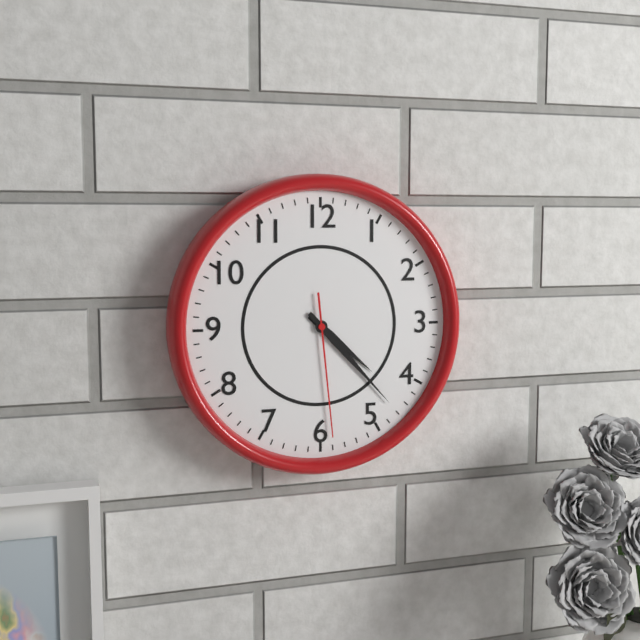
4:23:29
